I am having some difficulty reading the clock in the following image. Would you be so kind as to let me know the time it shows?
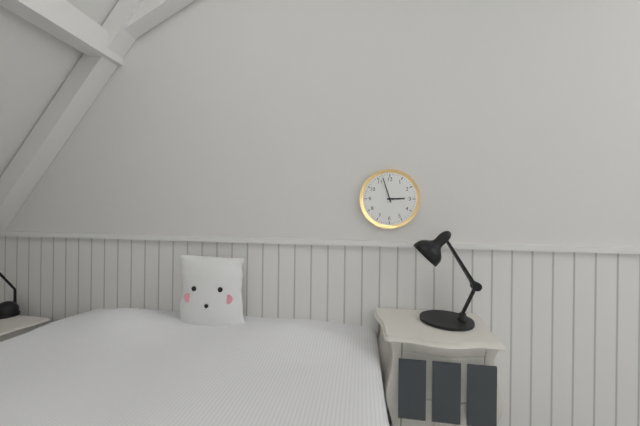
2:57
